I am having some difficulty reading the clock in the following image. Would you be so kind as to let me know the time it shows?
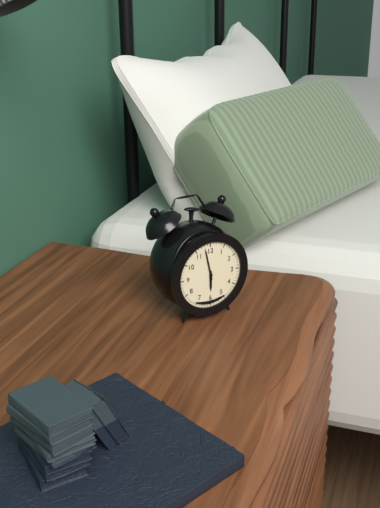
5:58
